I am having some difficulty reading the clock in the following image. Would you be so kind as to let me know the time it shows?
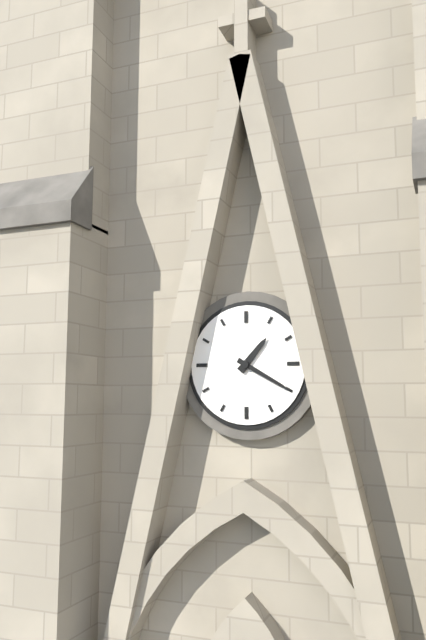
1:20
